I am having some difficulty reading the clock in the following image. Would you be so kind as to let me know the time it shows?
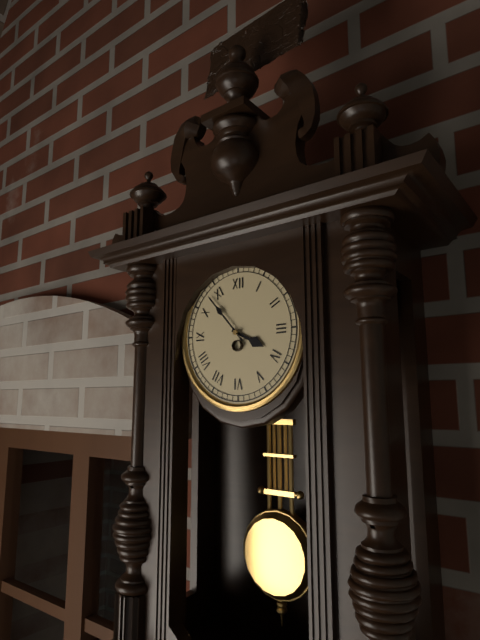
3:53
